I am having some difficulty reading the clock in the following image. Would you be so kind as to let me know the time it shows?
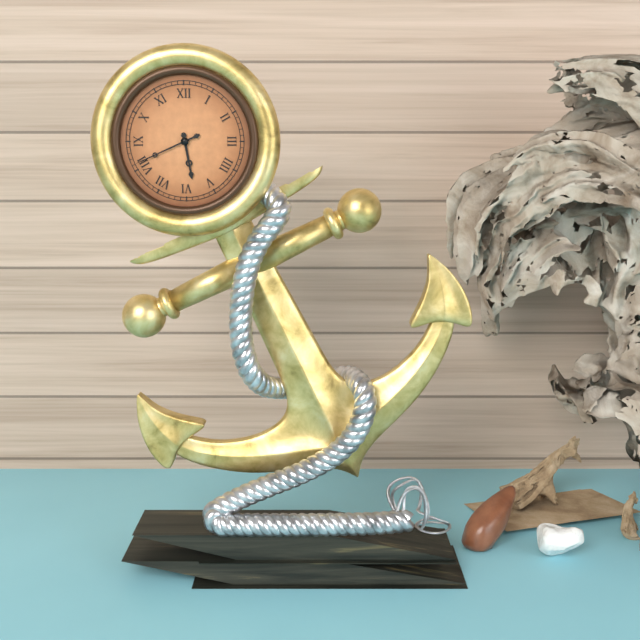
5:41
